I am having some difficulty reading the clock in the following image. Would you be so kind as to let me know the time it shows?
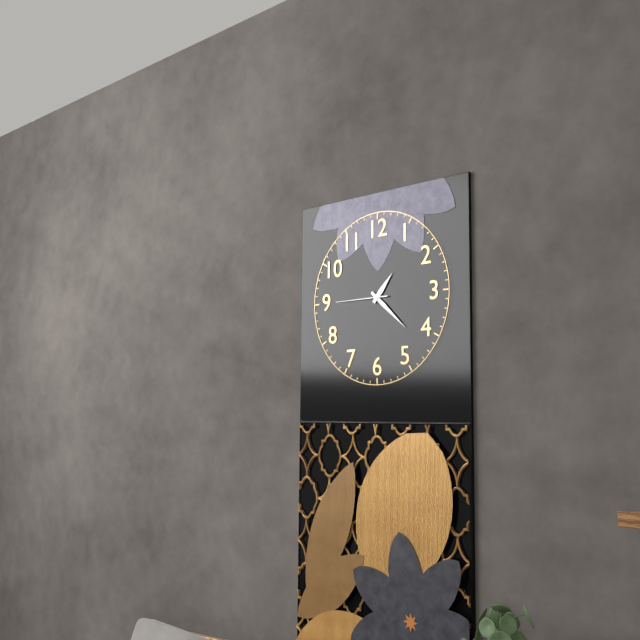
1:22:45
